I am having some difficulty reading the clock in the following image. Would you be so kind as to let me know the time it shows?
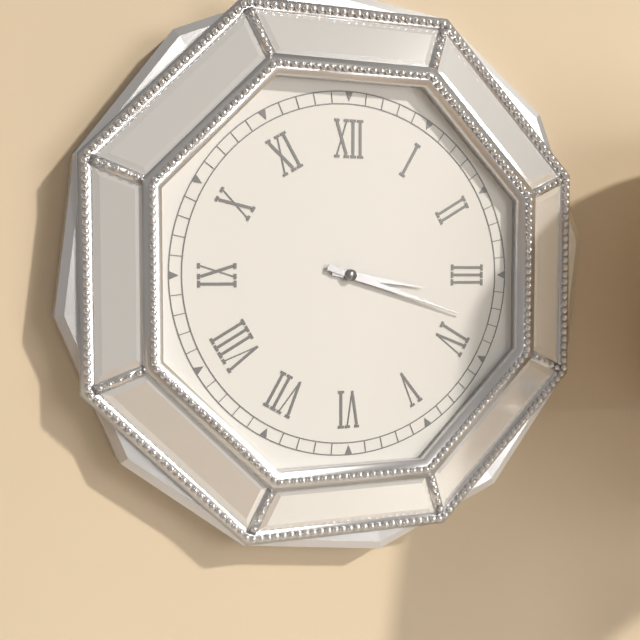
3:18
